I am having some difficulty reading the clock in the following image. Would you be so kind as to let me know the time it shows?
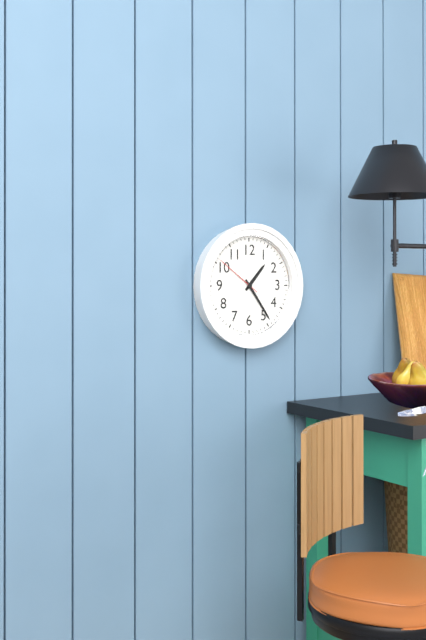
1:24:51
